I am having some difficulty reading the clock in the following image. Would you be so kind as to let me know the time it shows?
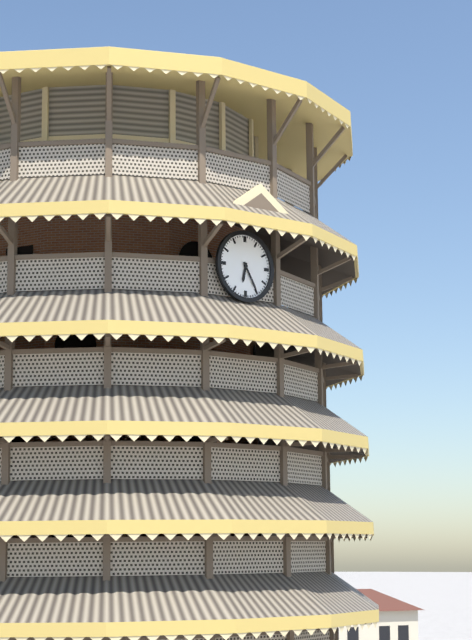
6:25
